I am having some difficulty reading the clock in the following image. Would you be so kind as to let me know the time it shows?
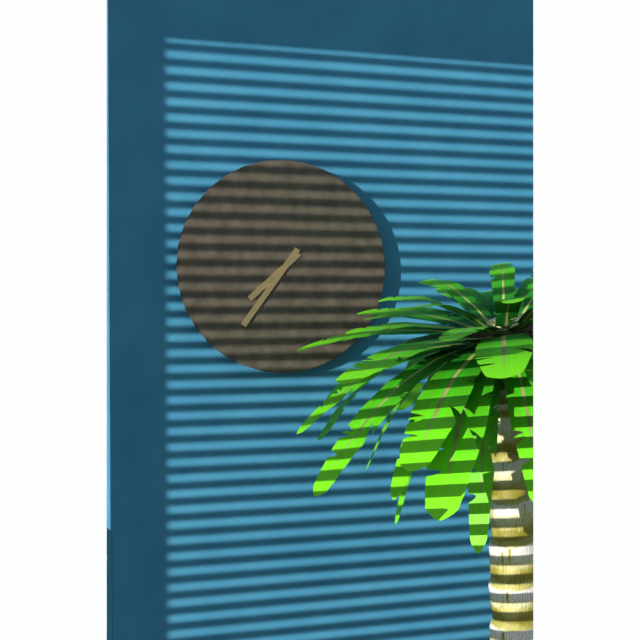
7:36
